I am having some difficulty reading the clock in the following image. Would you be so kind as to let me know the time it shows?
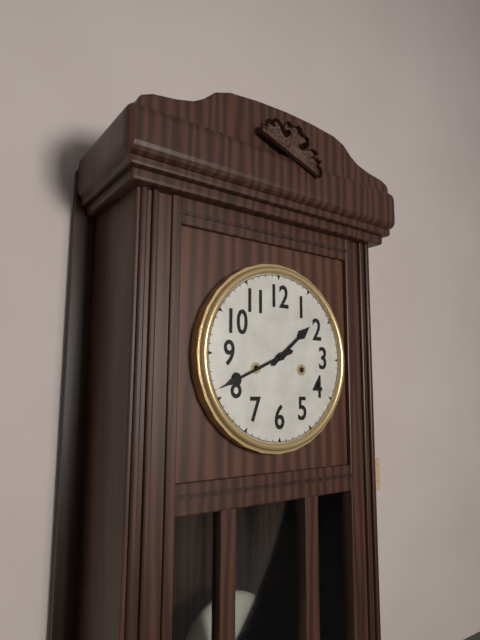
1:41
